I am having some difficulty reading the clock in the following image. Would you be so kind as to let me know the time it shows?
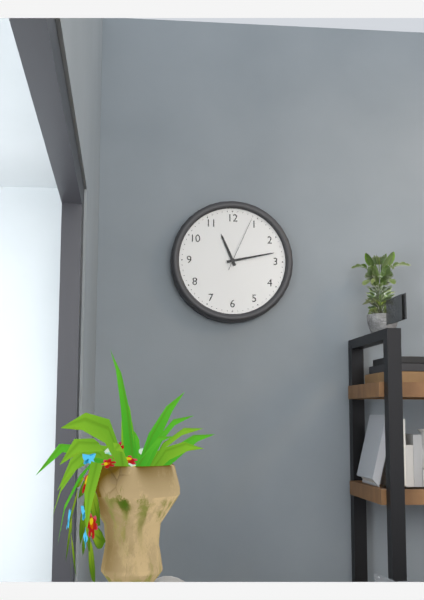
11:13:04
